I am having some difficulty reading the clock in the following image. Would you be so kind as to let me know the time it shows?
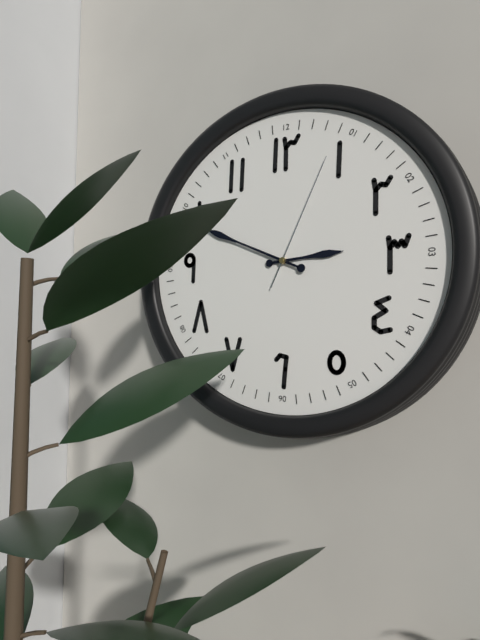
2:49:04
